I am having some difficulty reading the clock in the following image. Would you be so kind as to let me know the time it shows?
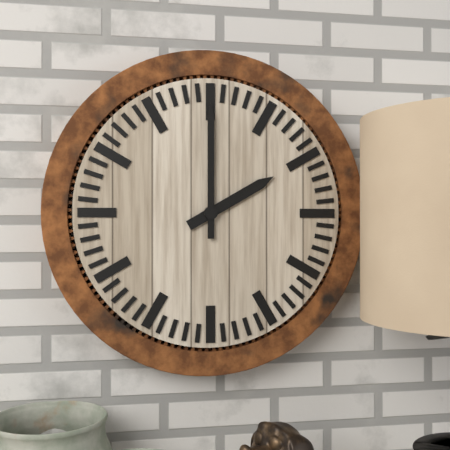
2:00
